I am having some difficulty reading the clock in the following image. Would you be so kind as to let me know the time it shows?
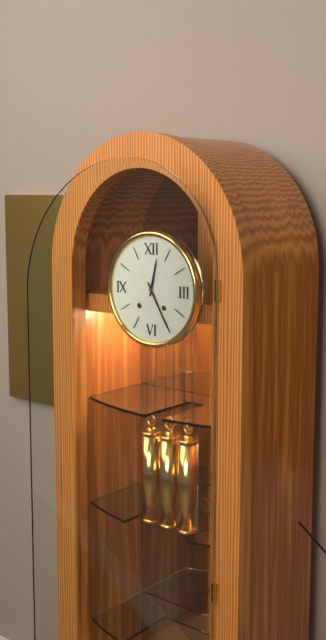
12:25
